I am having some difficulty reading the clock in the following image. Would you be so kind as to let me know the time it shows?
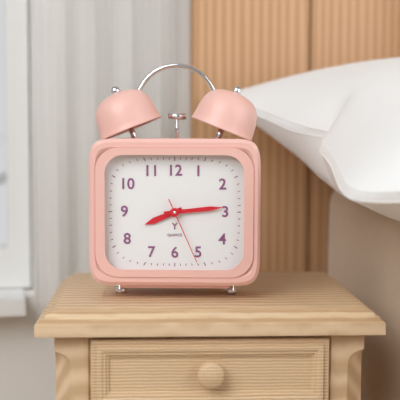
8:14:26
